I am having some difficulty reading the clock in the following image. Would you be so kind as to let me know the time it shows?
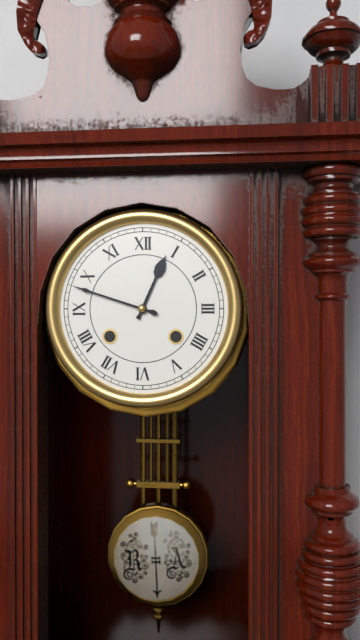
12:48
